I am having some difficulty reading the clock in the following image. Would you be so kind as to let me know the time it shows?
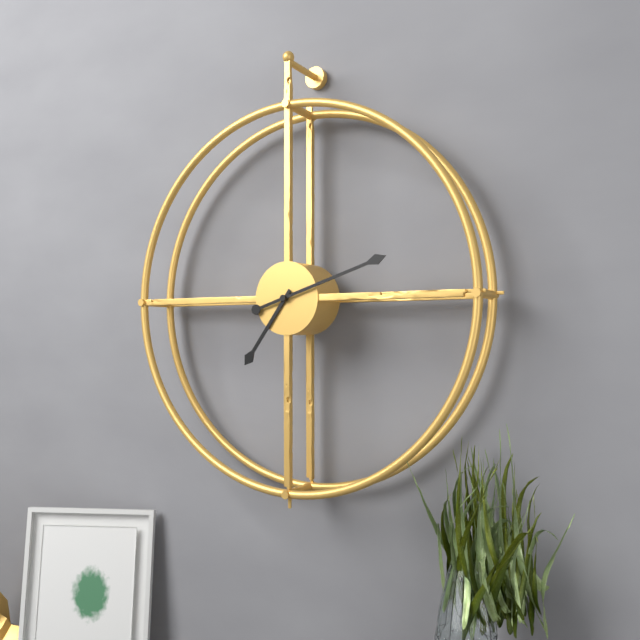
7:12
